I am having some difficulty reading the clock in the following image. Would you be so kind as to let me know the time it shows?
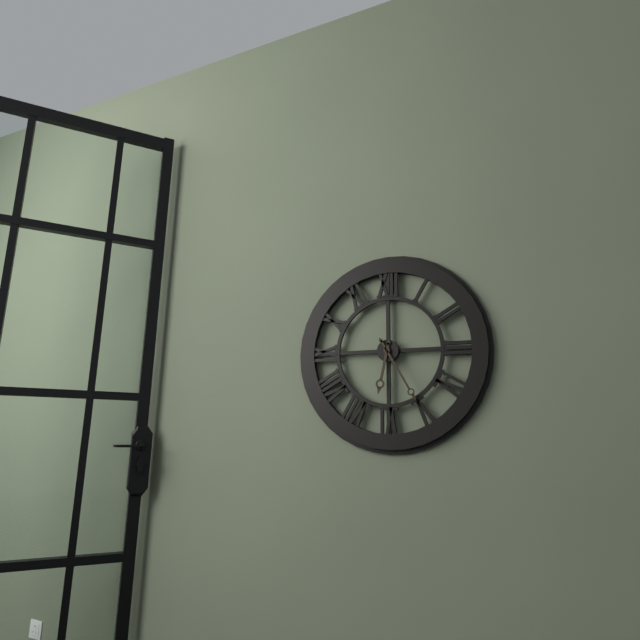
6:25
